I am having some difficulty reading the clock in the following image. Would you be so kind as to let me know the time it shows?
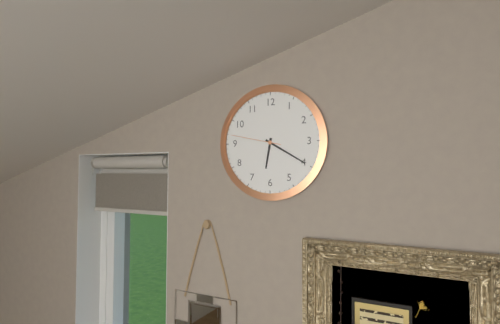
6:20:47
